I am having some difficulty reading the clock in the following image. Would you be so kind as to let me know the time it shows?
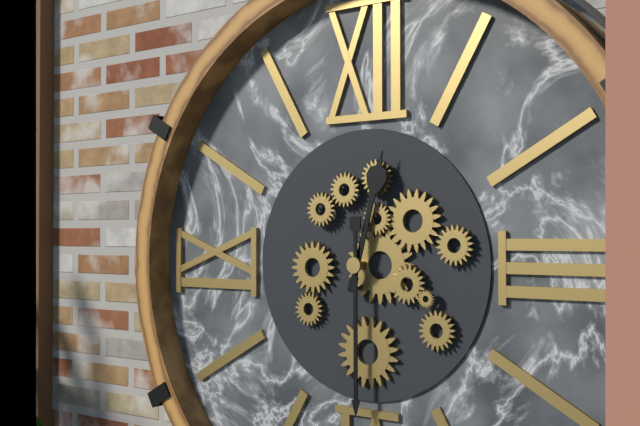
12:30
